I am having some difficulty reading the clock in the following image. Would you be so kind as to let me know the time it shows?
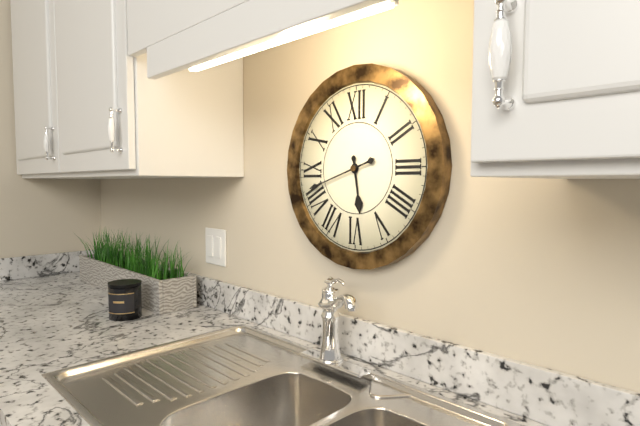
5:42
